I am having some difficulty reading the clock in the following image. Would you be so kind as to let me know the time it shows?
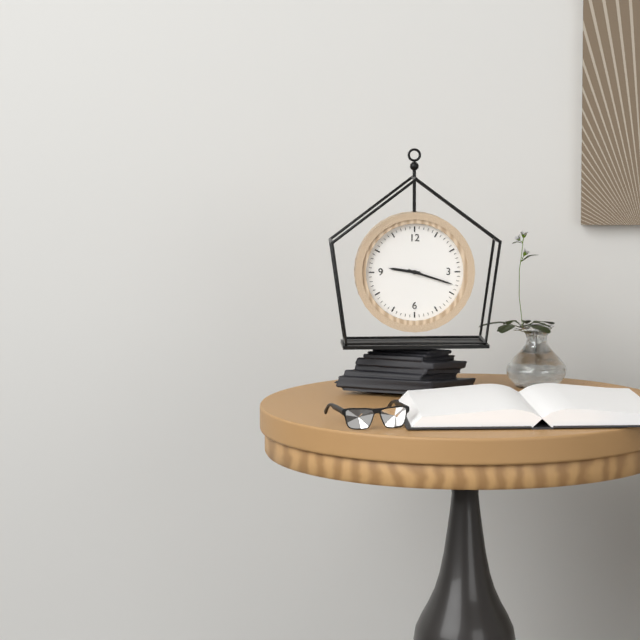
9:18
